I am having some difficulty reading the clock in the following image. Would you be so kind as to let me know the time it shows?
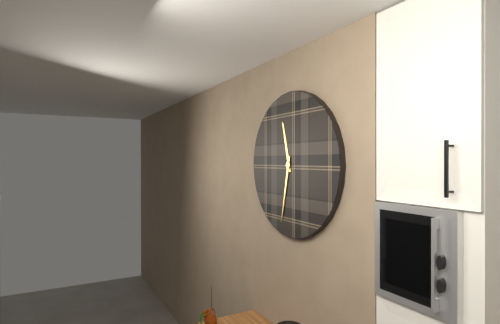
11:32
